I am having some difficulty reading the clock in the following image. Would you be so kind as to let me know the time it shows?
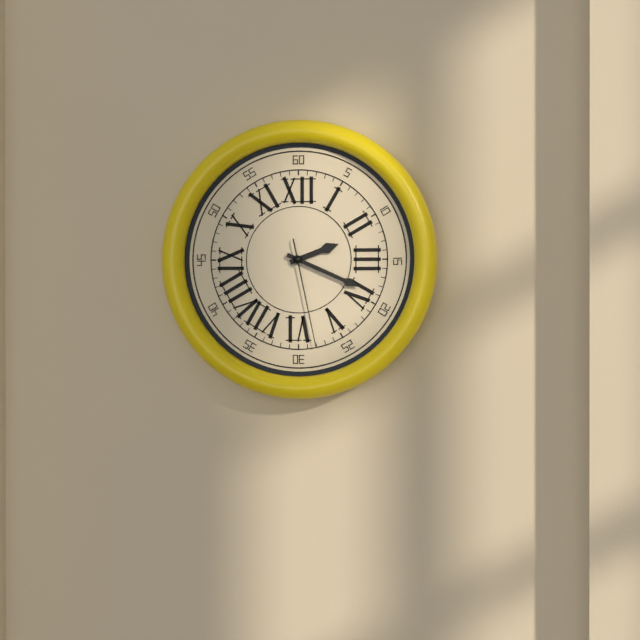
2:19:28
